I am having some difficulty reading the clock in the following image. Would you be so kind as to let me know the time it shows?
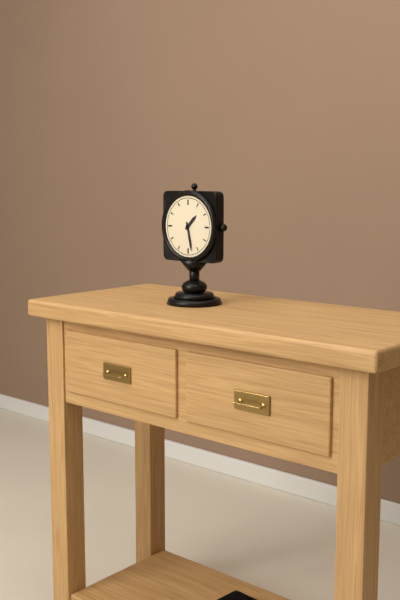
1:28
